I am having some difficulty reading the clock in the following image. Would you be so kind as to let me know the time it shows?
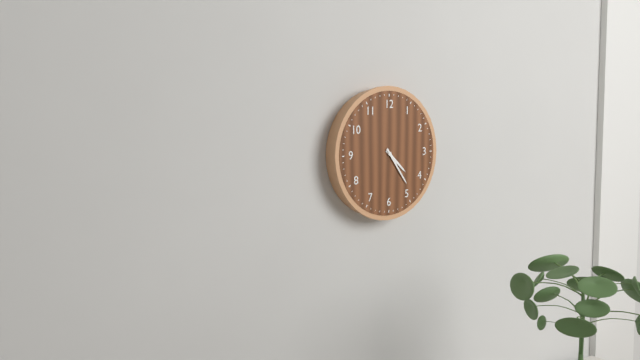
4:24
